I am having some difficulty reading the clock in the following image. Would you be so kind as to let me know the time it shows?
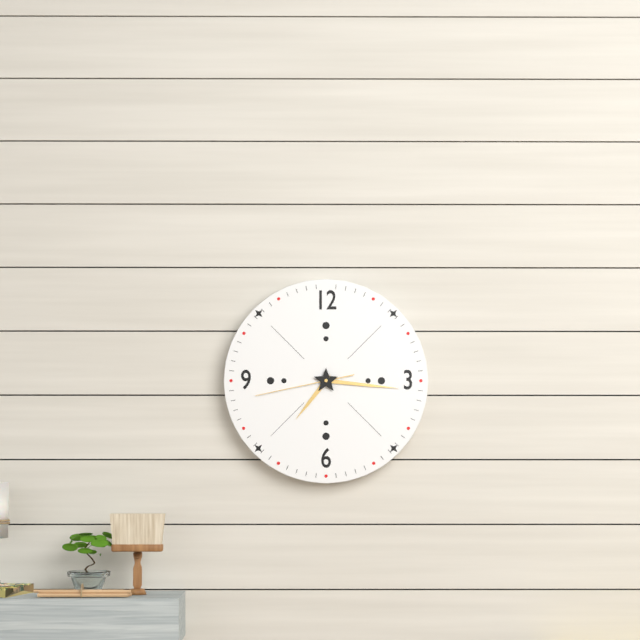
7:16:43
